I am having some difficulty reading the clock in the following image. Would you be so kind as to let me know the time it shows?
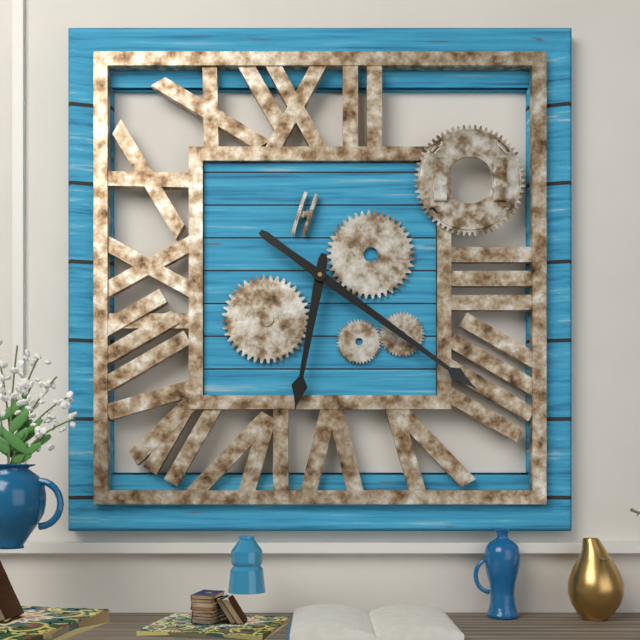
6:21
